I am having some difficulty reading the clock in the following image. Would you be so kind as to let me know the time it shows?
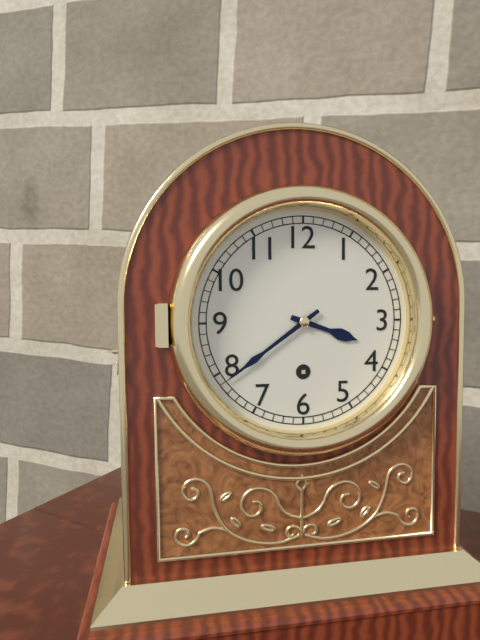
3:39
